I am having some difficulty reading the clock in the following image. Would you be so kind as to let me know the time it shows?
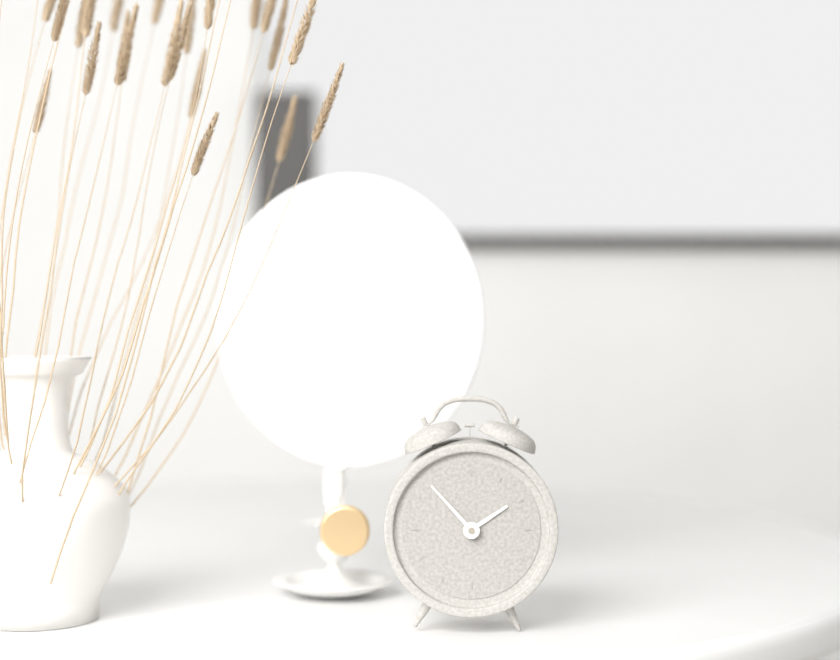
1:53
